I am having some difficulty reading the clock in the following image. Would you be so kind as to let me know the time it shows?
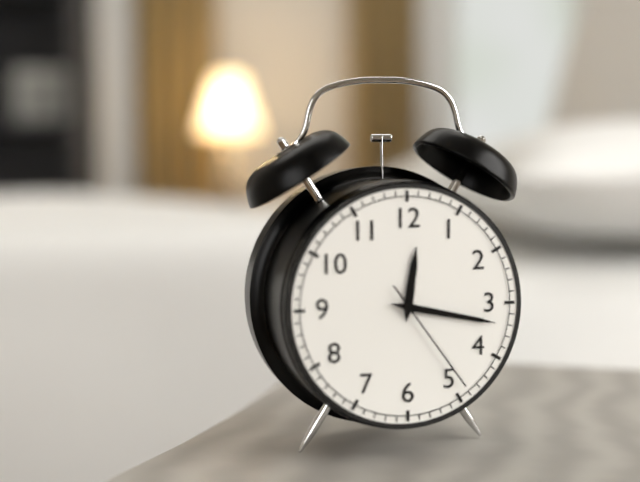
12:17:24
